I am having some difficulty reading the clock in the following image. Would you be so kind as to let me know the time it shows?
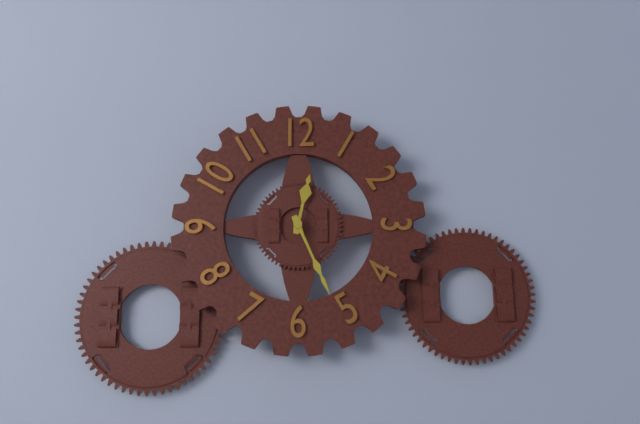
12:26
